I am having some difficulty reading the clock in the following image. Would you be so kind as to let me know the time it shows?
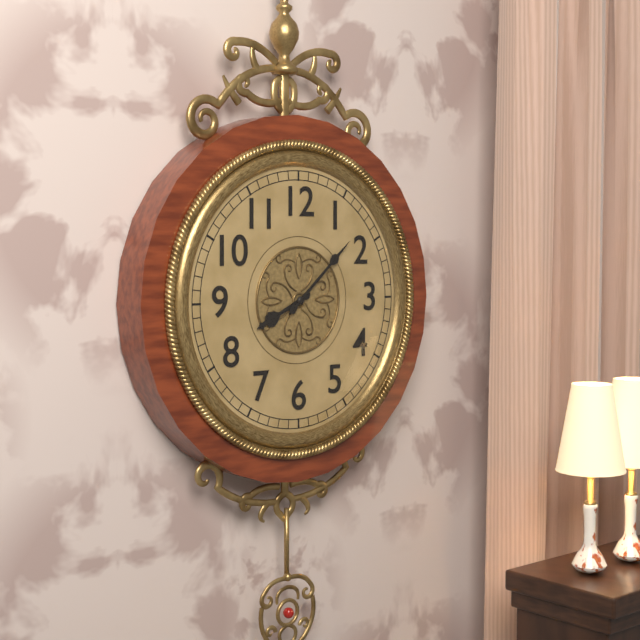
8:08
